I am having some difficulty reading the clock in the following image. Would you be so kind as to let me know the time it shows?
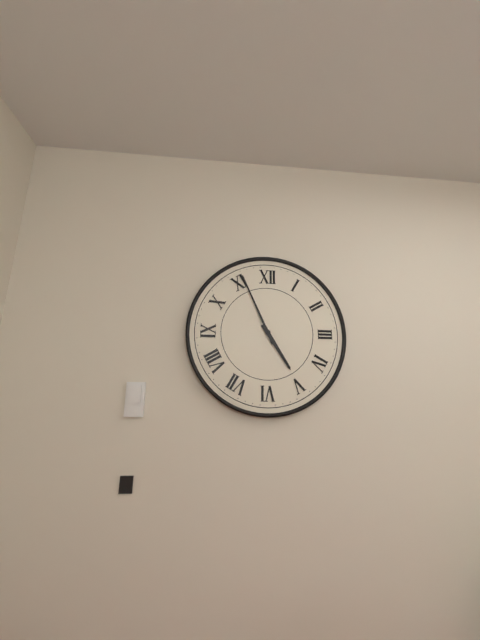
4:56
